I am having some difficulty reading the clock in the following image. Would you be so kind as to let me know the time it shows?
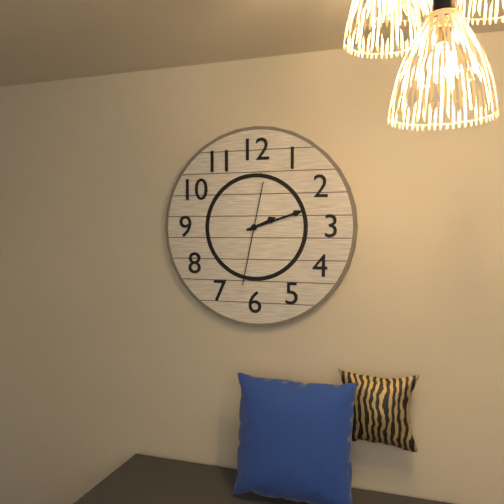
2:12:32
